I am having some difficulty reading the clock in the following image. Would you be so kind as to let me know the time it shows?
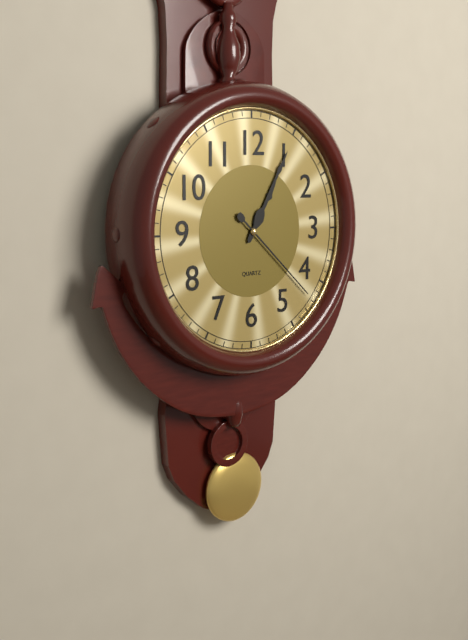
1:05:22
